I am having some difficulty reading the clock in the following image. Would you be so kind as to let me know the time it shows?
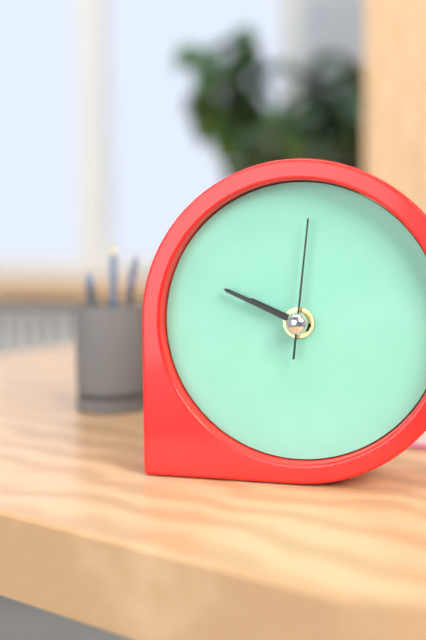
9:49:01
